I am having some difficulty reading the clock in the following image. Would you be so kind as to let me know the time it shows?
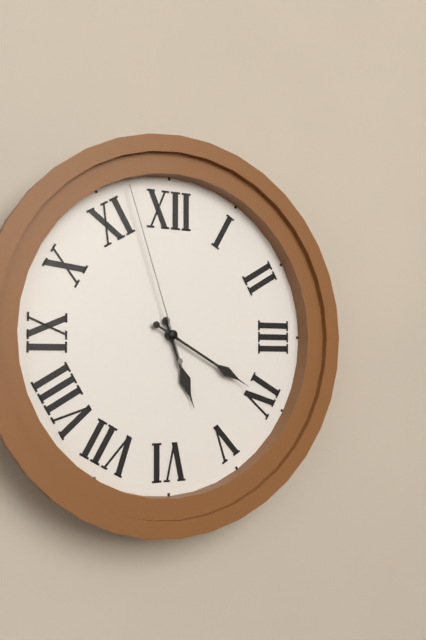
5:20:57
